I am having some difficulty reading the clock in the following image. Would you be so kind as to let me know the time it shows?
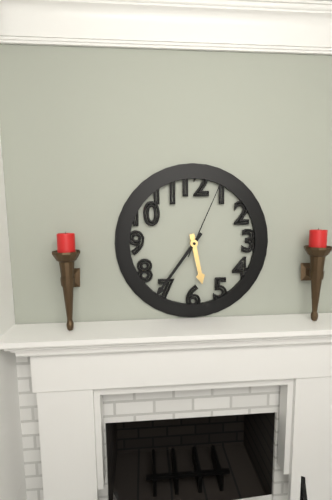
5:36:04
